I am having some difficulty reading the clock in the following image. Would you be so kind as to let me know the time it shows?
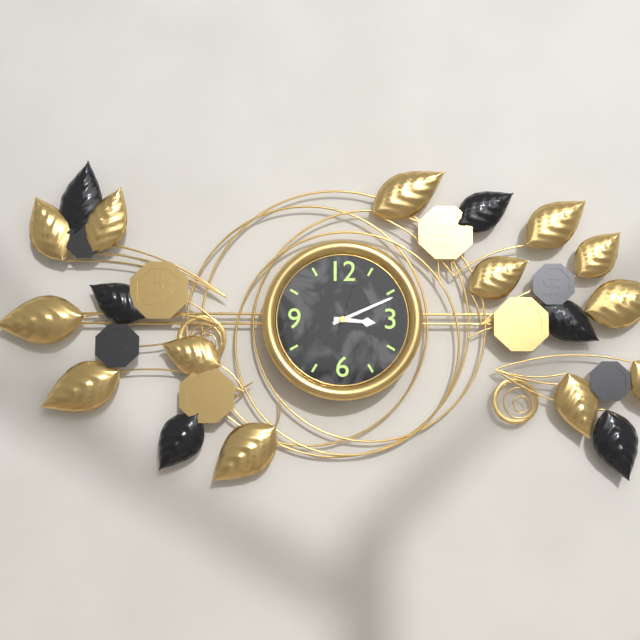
3:11:03
